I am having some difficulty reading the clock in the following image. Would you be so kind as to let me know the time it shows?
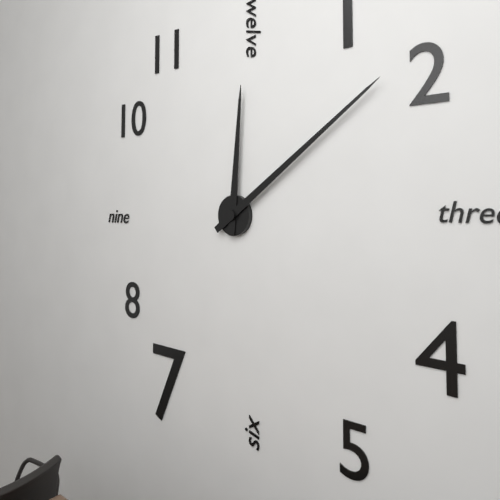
12:09
